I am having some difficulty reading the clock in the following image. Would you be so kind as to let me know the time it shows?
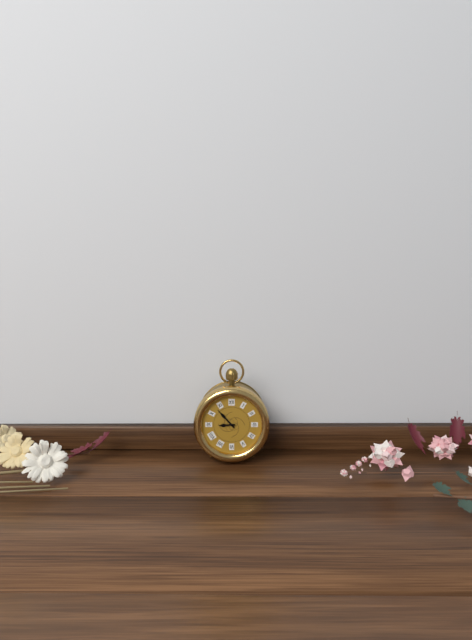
8:53
